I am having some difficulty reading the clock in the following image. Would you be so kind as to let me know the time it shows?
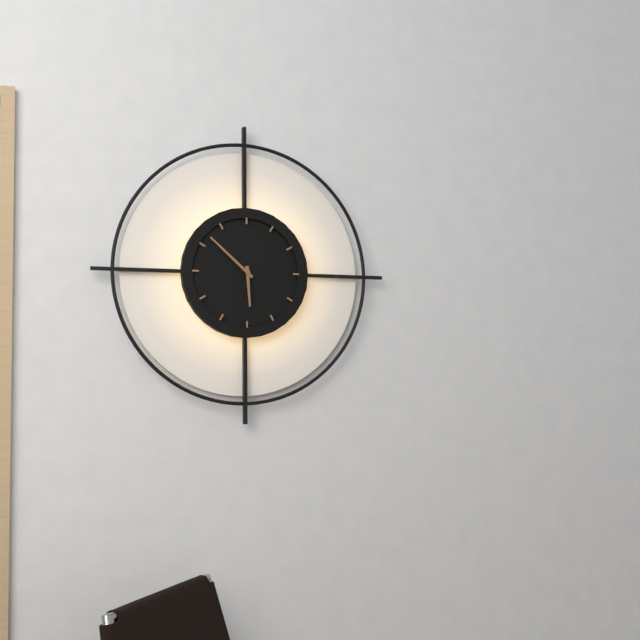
5:52
